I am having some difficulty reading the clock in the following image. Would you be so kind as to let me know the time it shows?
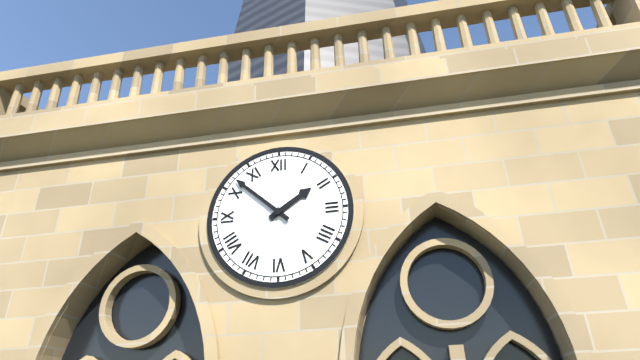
1:52
